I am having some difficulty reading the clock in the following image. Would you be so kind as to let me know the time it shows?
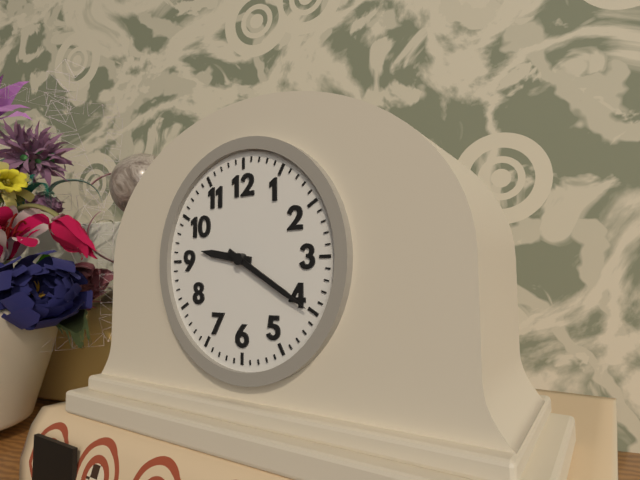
9:20
